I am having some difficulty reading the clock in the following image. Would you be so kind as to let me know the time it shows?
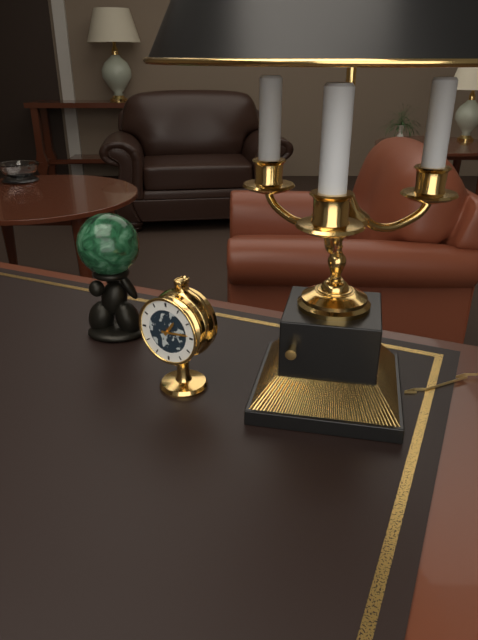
1:14
